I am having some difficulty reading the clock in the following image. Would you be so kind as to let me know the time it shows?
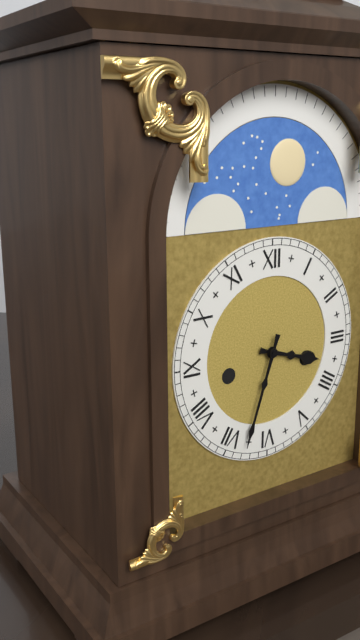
3:33
